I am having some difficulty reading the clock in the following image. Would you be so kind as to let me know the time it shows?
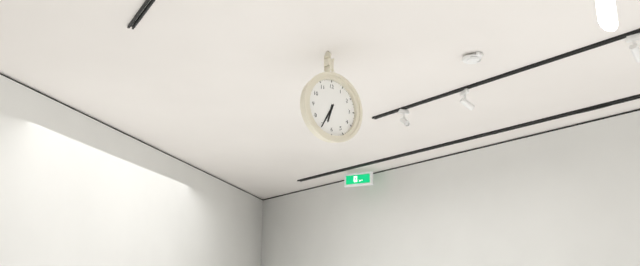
6:35
